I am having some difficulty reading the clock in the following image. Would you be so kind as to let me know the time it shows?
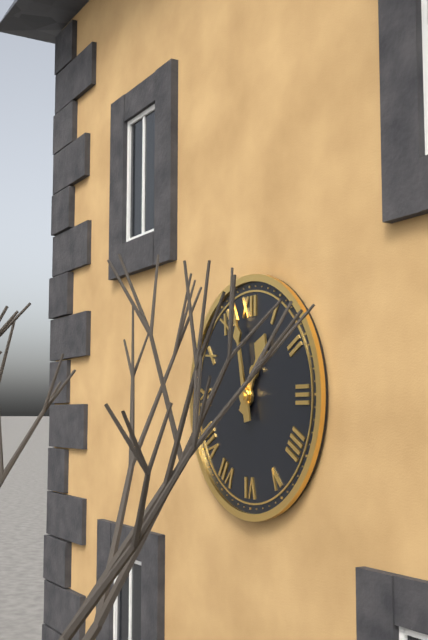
12:58
